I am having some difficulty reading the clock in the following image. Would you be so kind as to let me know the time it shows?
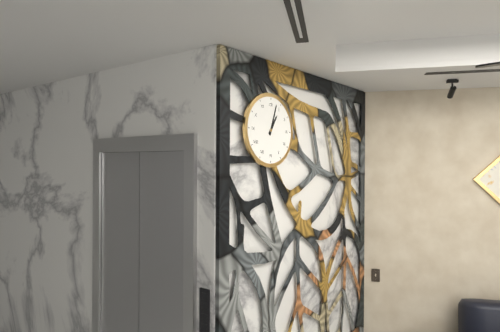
1:03
